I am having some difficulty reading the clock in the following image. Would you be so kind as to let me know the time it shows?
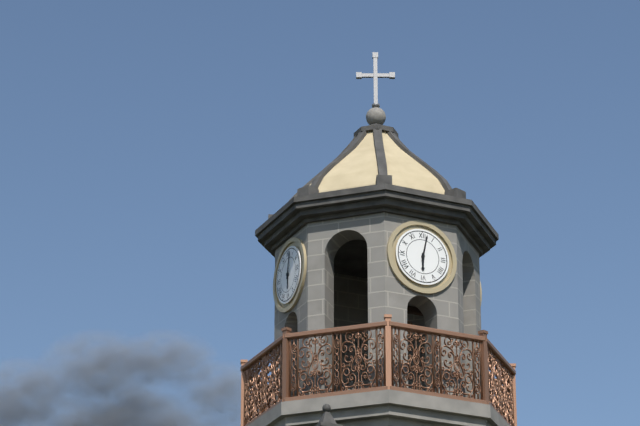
6:02
